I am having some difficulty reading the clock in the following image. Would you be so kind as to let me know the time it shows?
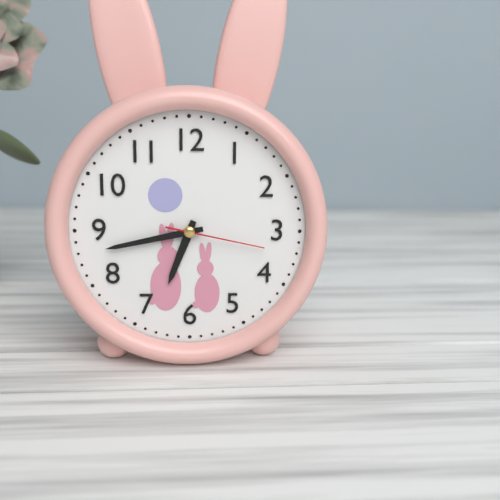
6:43:17
